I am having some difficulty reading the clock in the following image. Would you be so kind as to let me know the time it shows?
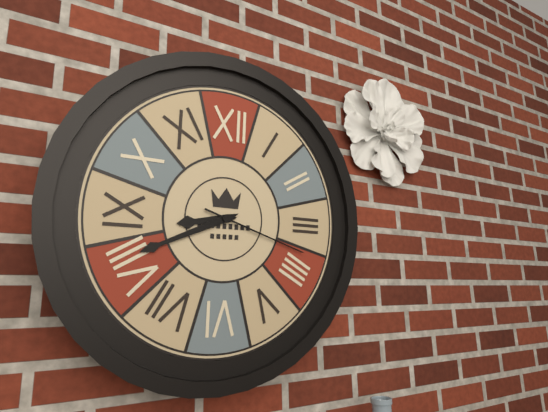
8:41:18
